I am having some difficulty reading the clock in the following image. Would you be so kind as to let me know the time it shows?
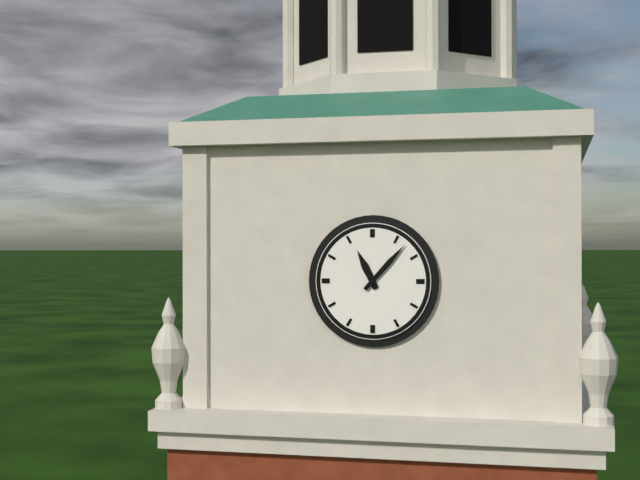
11:07
